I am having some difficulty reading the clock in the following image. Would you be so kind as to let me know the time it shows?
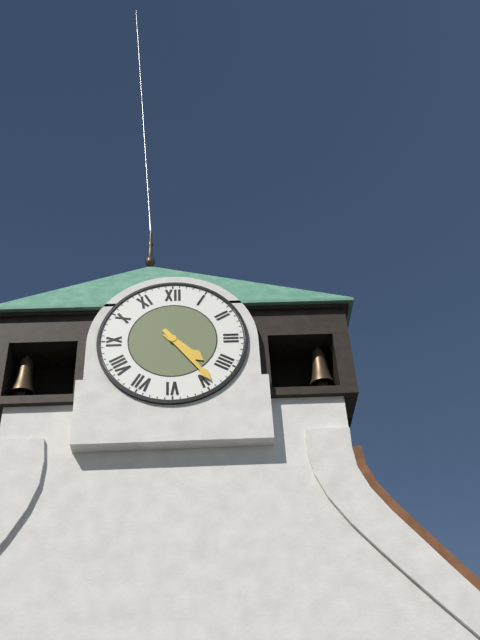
4:24
